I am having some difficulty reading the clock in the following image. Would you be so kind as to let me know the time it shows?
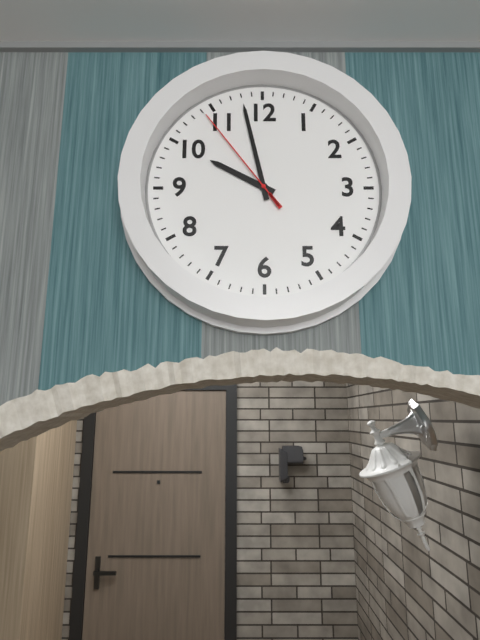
9:58:54
